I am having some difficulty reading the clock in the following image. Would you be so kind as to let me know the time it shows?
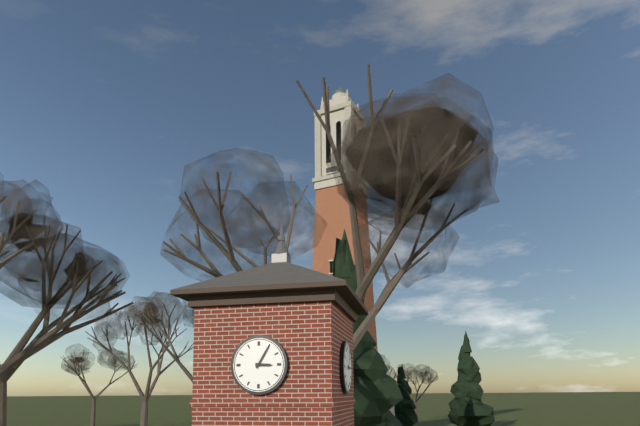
3:05
